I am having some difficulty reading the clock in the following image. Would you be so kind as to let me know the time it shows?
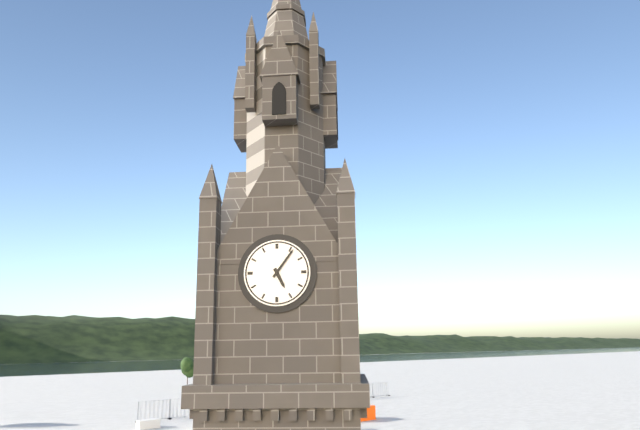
5:06
